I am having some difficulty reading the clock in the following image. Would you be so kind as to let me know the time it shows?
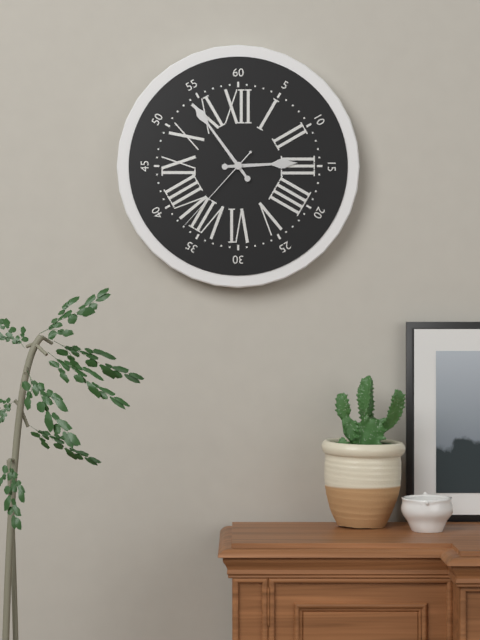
2:54:37
